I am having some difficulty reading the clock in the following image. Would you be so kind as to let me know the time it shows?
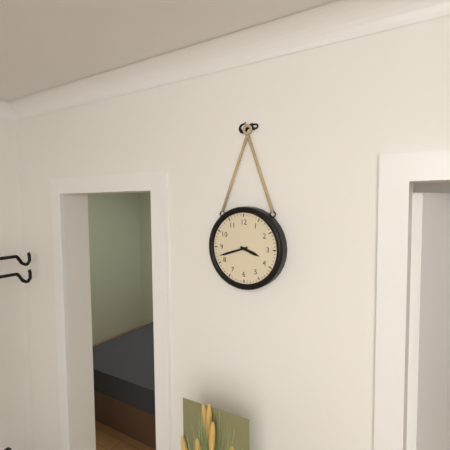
3:42
